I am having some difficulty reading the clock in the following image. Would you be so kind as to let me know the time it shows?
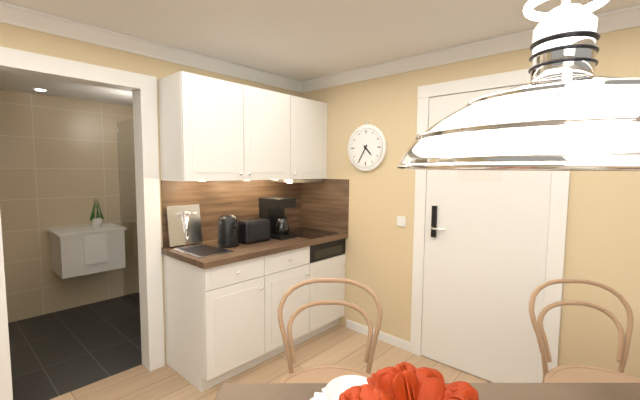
4:35
